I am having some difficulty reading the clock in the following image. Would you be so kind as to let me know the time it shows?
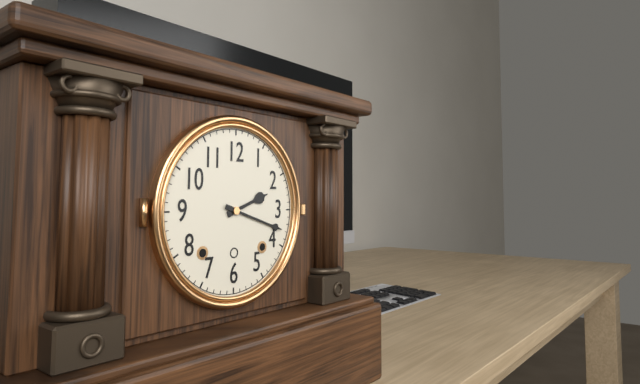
2:18
